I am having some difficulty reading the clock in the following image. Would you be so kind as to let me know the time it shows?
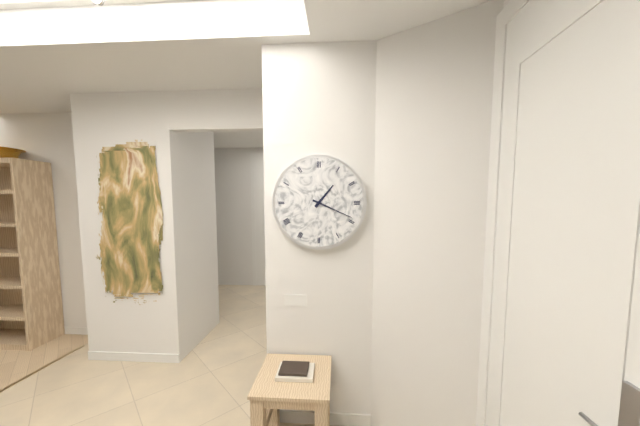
1:19
